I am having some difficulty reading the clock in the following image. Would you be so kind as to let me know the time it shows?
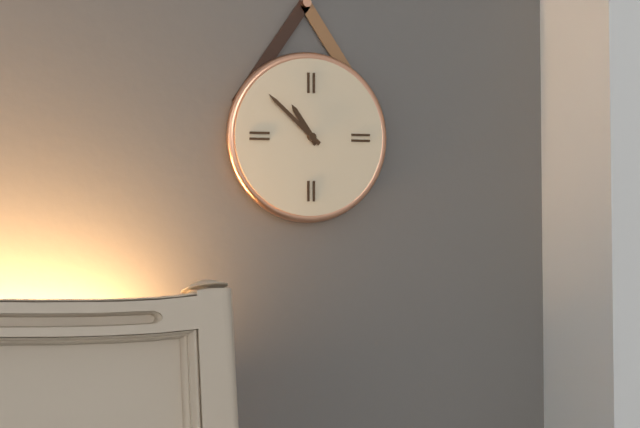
10:52
